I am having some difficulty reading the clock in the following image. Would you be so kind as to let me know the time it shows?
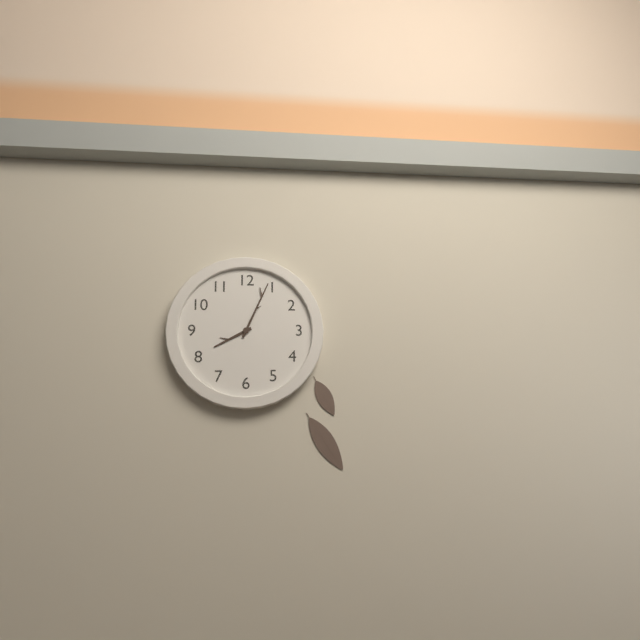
8:04
